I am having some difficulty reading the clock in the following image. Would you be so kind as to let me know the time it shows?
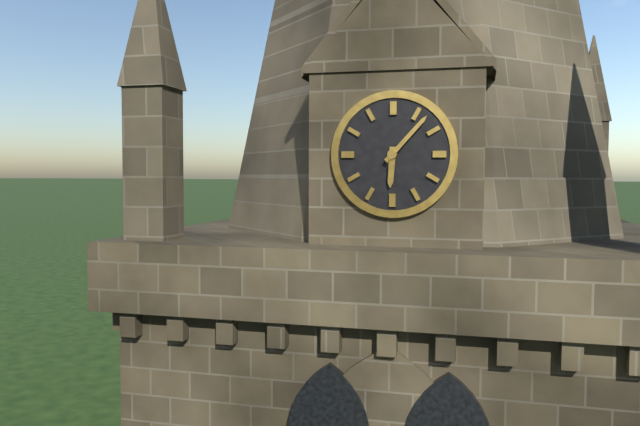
6:07
